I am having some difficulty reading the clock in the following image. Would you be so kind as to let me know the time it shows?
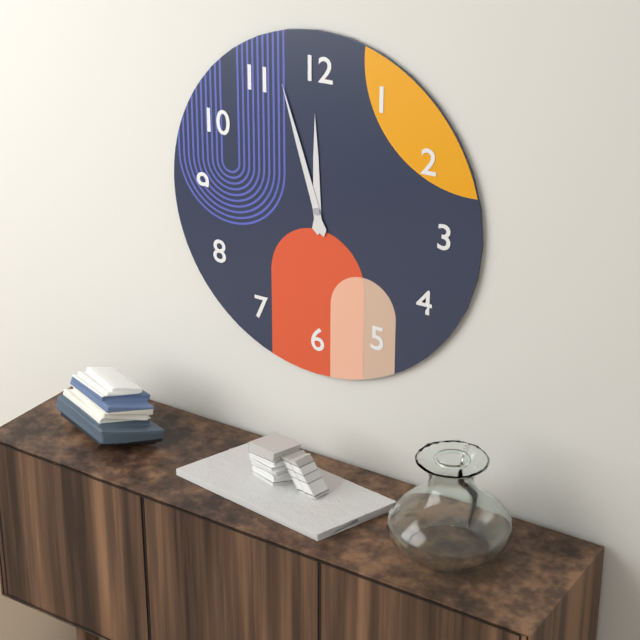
11:57
